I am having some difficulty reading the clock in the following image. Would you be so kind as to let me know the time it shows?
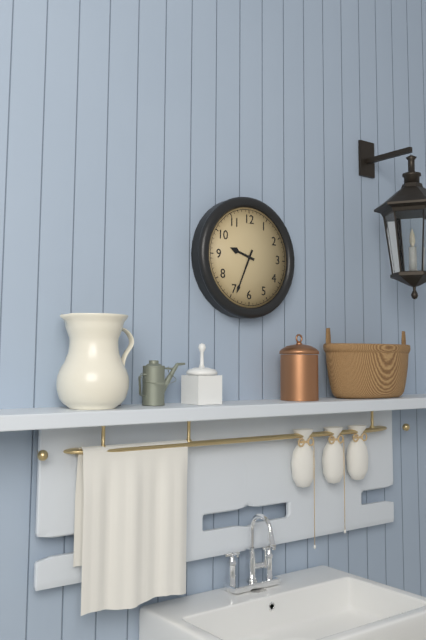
9:34
